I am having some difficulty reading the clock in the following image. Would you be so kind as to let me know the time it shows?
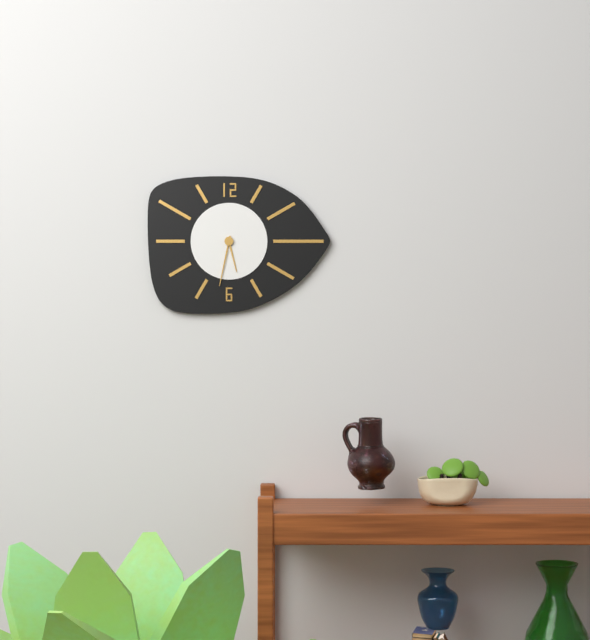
5:32
